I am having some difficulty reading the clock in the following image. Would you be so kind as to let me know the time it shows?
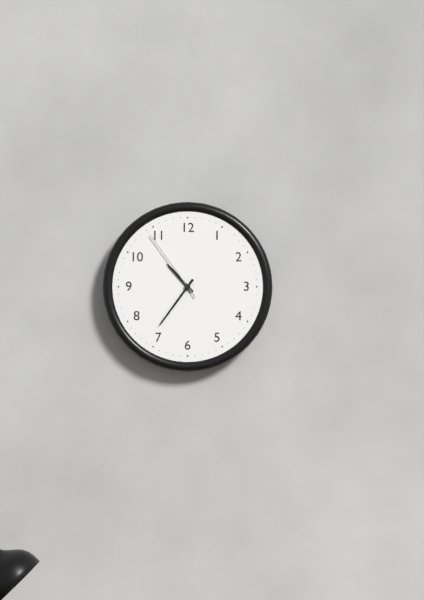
10:36:54
